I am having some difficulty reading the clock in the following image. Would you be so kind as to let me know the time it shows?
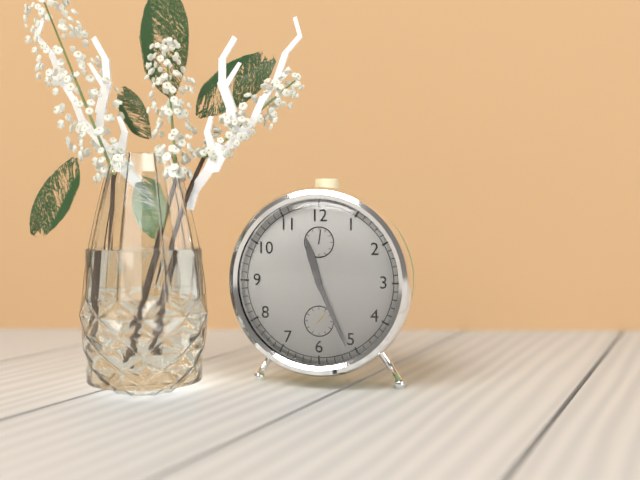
11:26
